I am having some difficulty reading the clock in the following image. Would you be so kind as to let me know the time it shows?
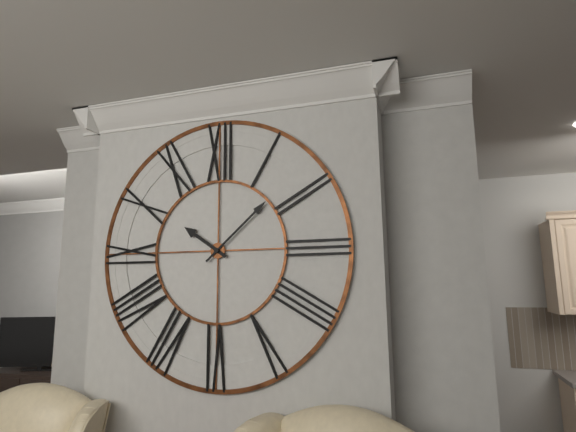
10:08
